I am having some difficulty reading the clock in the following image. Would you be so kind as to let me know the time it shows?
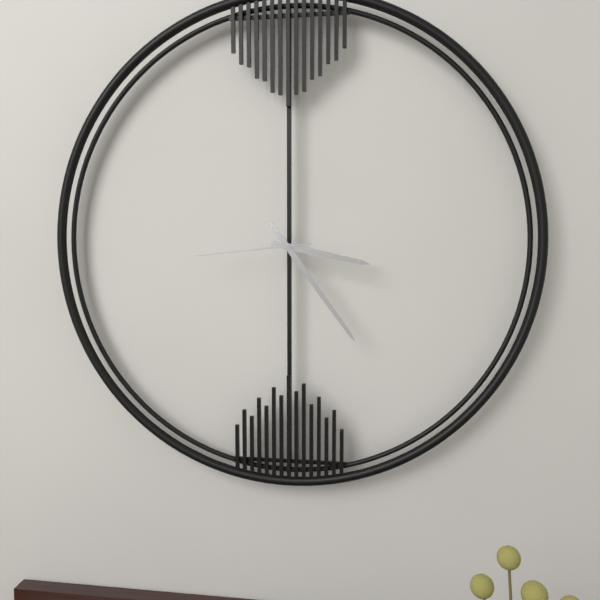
3:24:44
